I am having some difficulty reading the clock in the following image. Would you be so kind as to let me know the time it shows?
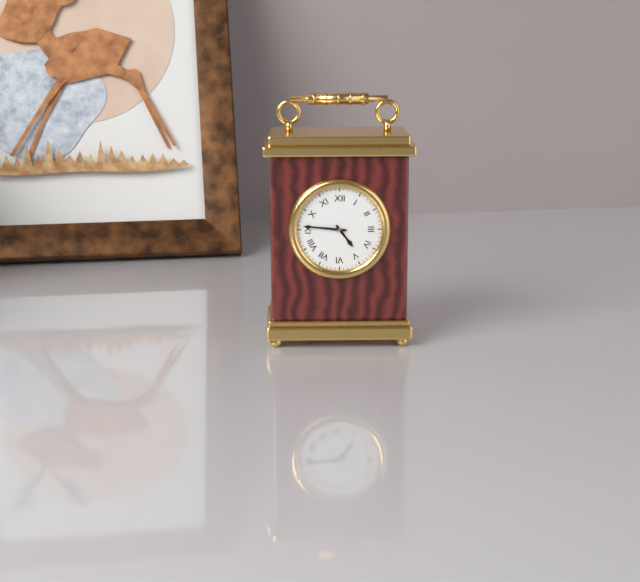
4:46
